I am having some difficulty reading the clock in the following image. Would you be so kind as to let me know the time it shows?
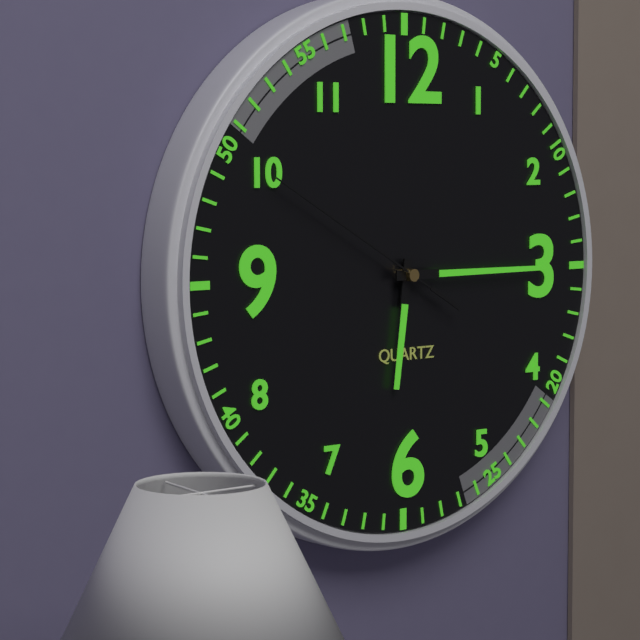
6:15:50
